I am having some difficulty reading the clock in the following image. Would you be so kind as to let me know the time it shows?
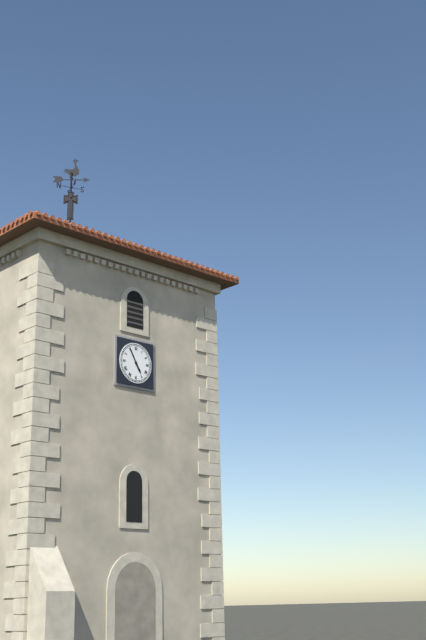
4:55
